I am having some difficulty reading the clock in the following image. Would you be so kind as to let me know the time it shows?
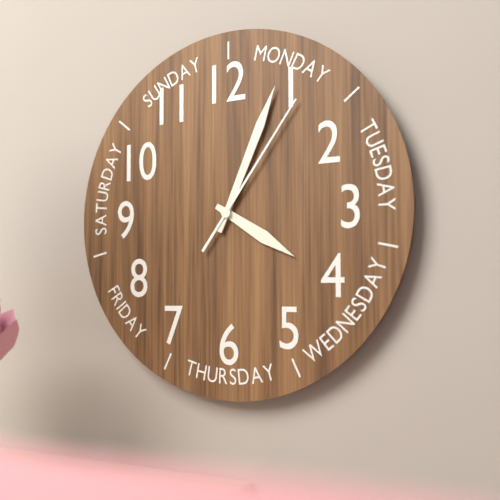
4:04:06
